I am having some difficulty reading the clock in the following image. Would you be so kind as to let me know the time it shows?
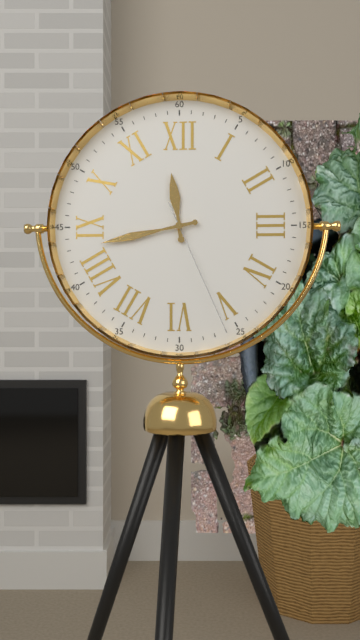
11:43:26
